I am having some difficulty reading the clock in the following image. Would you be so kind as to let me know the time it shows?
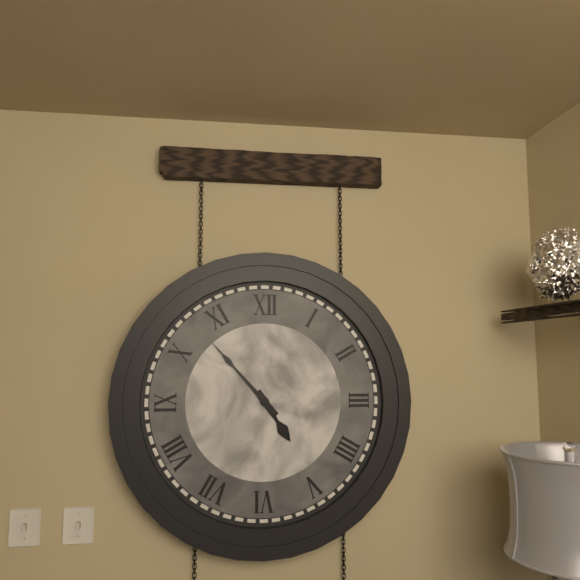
4:53
